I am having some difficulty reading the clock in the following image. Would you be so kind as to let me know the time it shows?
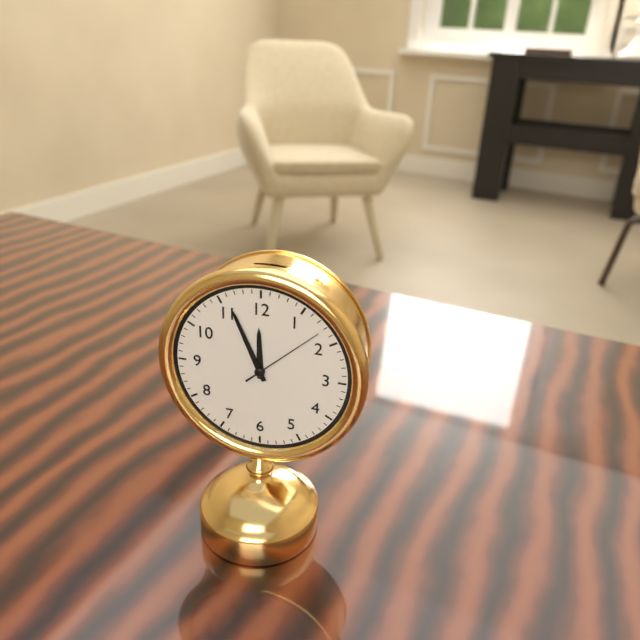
11:56:08
